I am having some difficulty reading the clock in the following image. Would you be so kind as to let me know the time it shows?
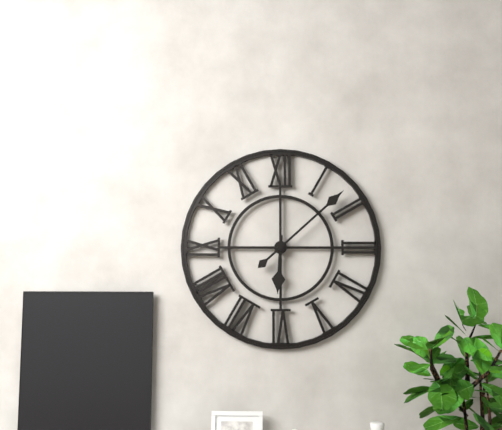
6:08
